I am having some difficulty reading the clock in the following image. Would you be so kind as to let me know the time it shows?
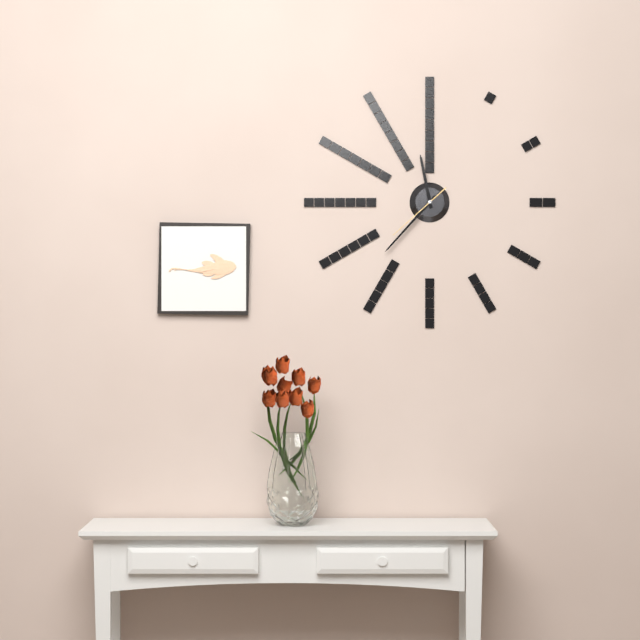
11:37:38
